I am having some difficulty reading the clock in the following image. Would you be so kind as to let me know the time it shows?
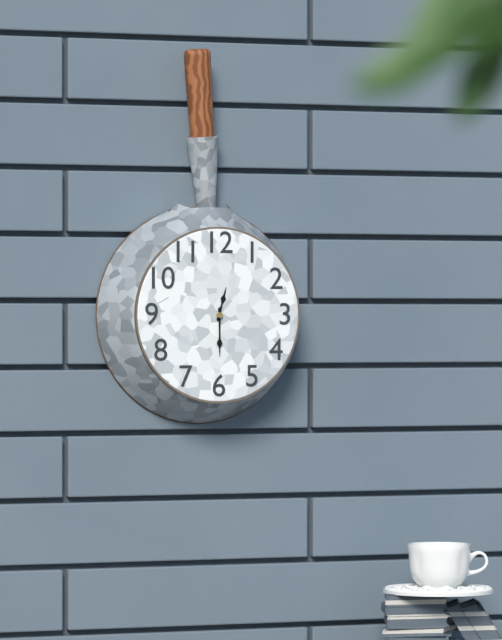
12:30
